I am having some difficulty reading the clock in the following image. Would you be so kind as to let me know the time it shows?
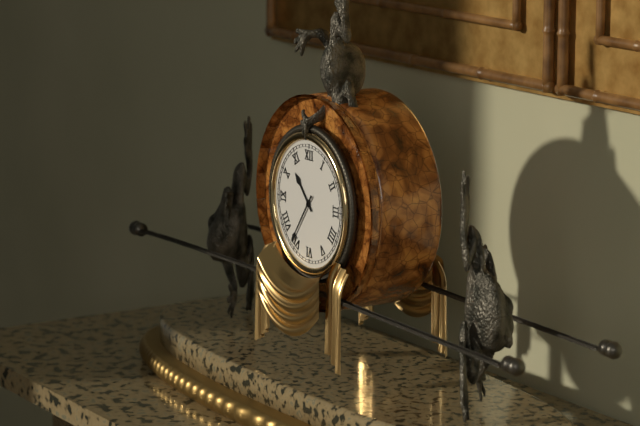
10:36
